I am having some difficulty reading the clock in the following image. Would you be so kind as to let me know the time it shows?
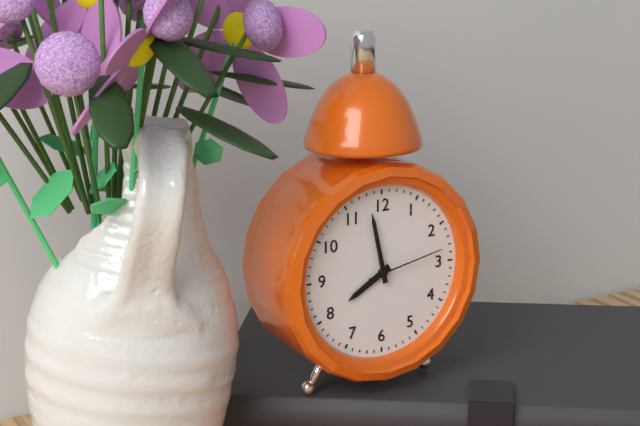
7:58:13
